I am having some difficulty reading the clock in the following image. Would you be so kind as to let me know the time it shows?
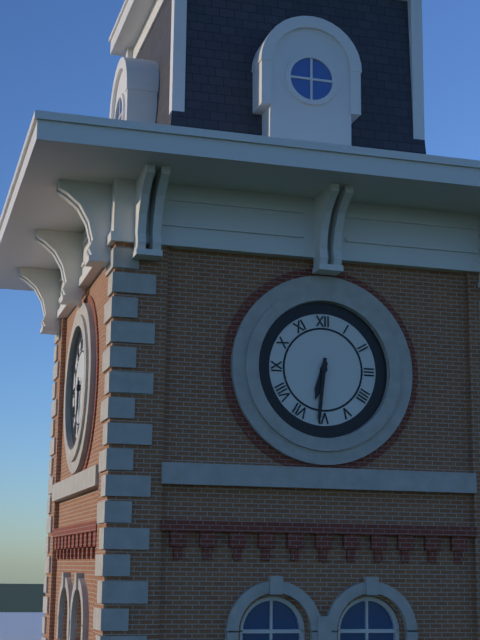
6:31
